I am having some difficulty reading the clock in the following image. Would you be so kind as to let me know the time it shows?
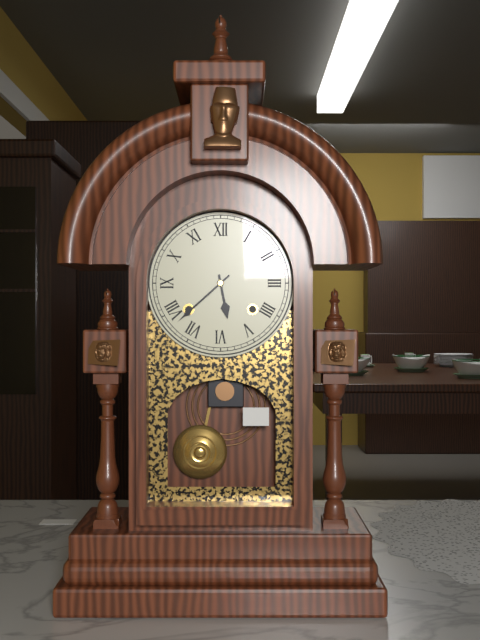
5:38
